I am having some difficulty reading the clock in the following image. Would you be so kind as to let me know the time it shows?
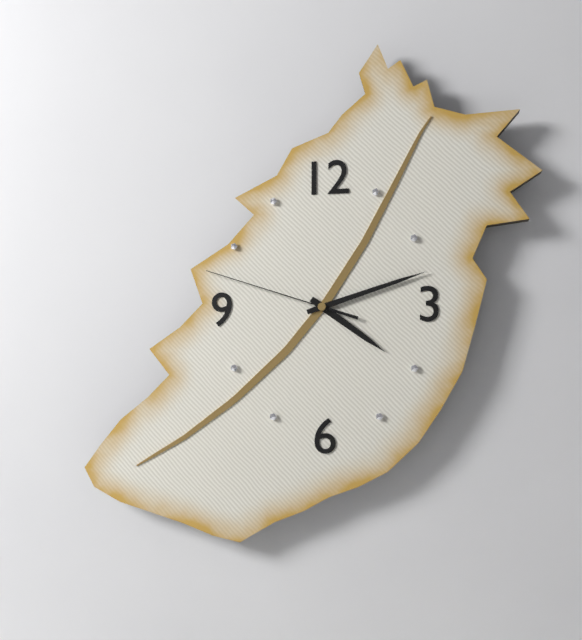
4:12:48
